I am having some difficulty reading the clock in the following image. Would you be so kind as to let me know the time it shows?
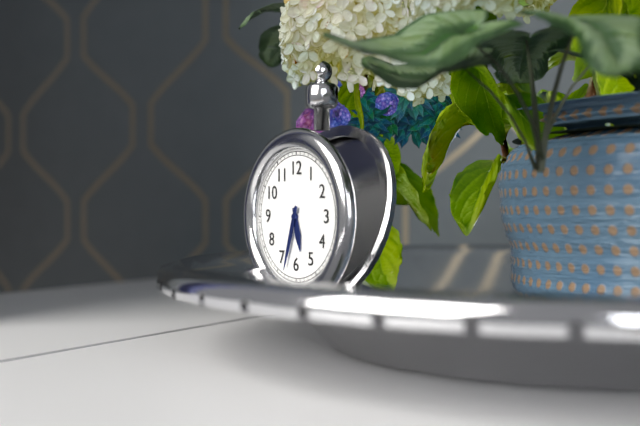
5:33
